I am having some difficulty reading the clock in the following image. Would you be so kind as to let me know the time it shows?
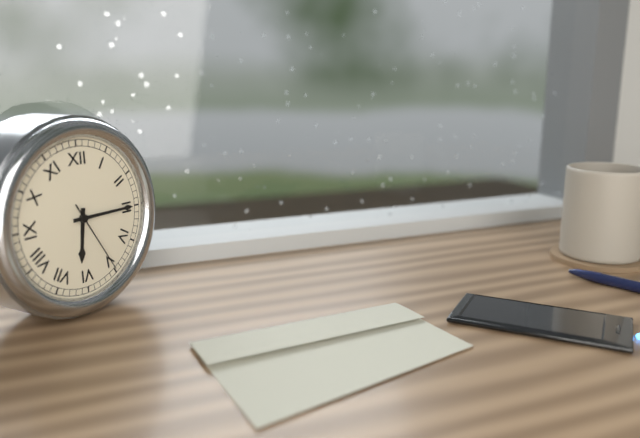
6:15:25
